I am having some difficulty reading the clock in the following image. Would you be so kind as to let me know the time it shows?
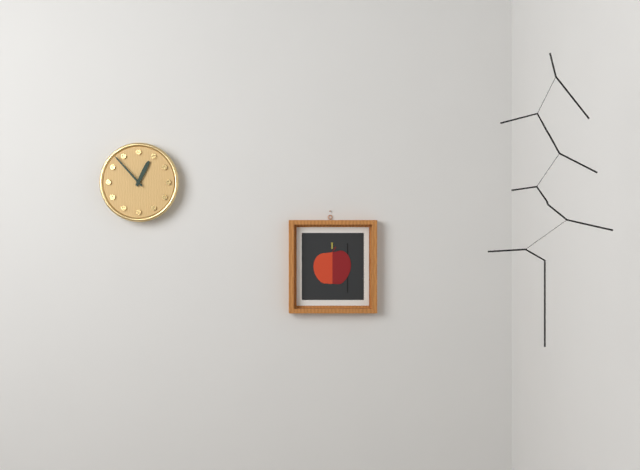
12:53
